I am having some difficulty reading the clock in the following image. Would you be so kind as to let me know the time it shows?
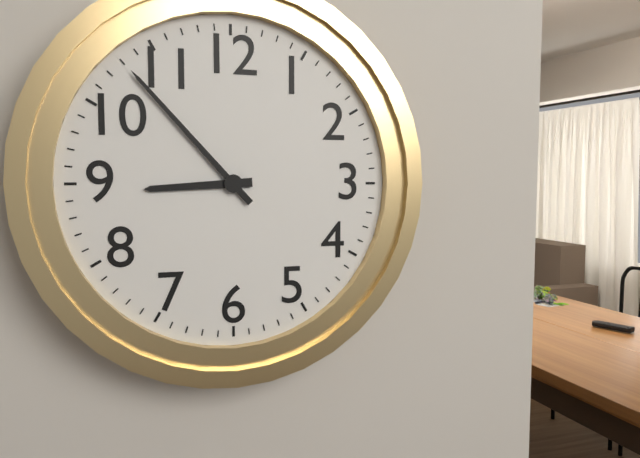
8:53
